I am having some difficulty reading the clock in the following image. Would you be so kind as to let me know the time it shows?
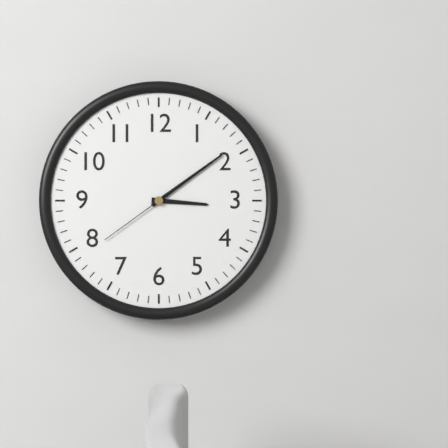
3:09:39
